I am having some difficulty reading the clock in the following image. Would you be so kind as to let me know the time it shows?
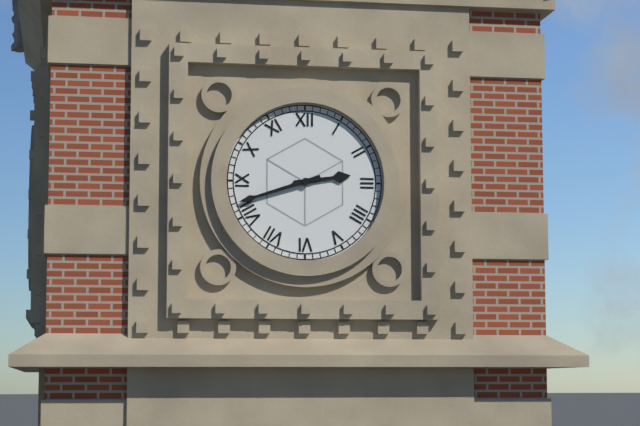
2:42
